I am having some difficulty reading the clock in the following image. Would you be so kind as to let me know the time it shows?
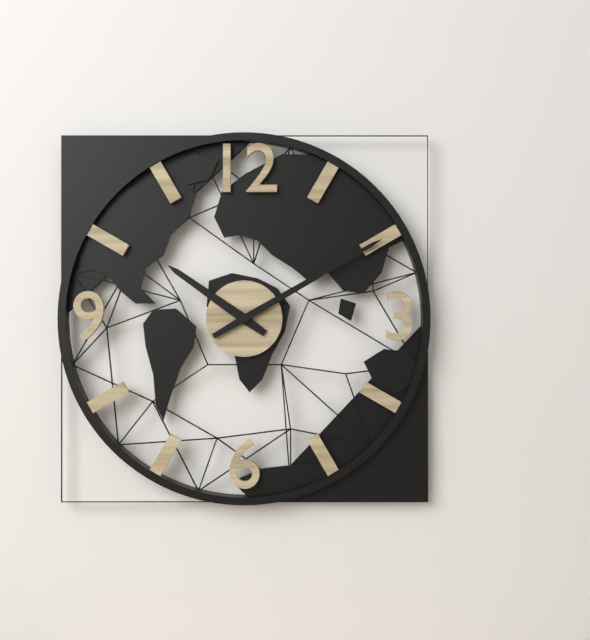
10:10
